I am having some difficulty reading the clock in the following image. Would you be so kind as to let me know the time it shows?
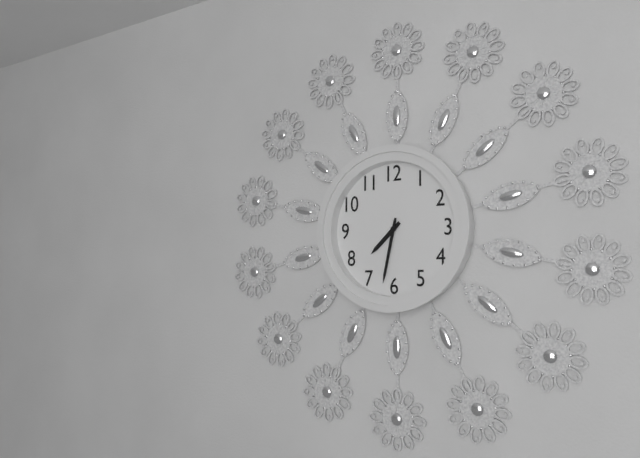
7:32
